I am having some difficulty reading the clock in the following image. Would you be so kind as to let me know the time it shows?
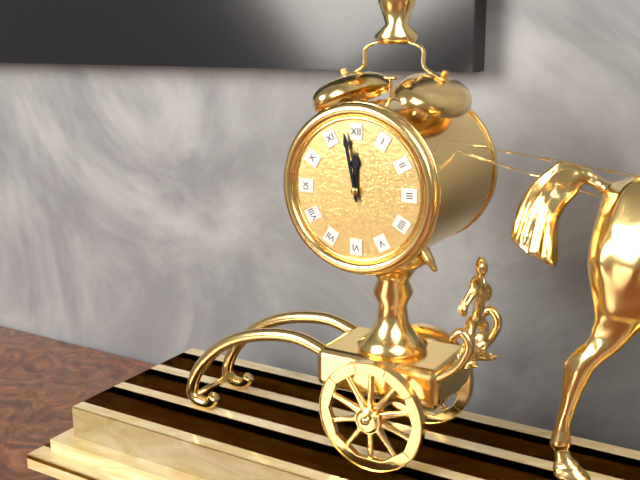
11:58
